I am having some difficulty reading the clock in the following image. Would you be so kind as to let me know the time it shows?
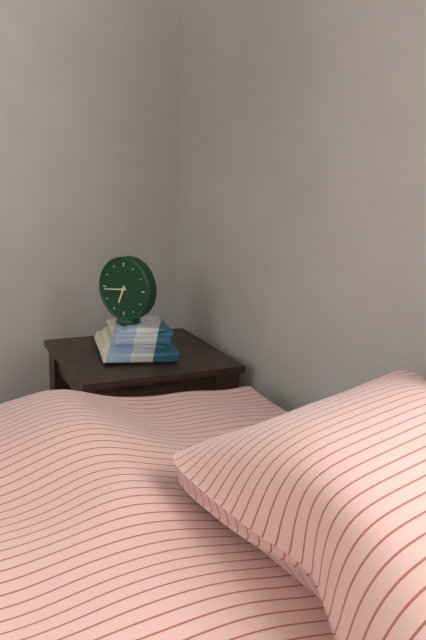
6:44
